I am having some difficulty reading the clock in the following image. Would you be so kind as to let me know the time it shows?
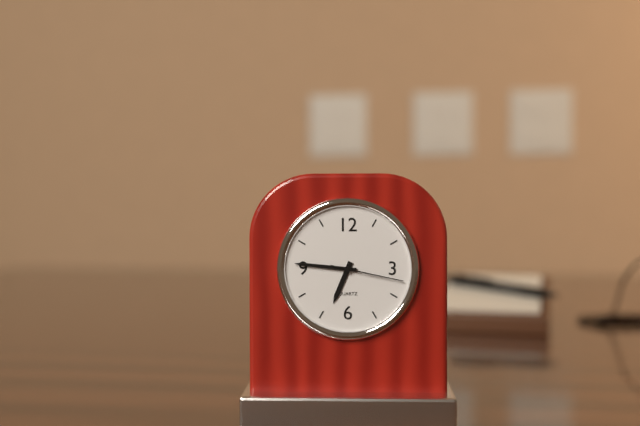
6:46:17
